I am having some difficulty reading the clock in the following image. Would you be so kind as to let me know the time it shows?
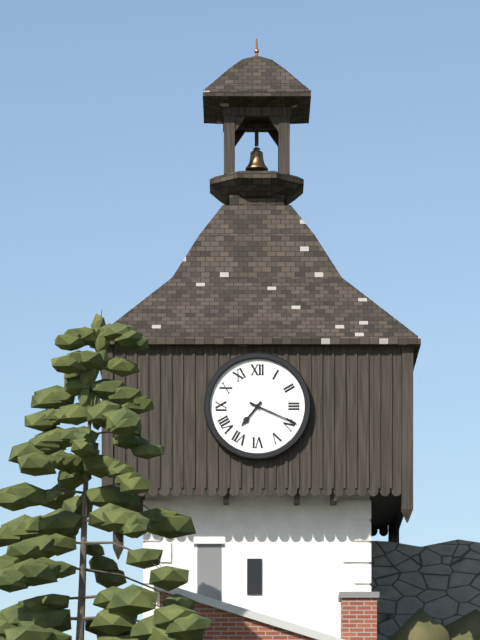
7:19
